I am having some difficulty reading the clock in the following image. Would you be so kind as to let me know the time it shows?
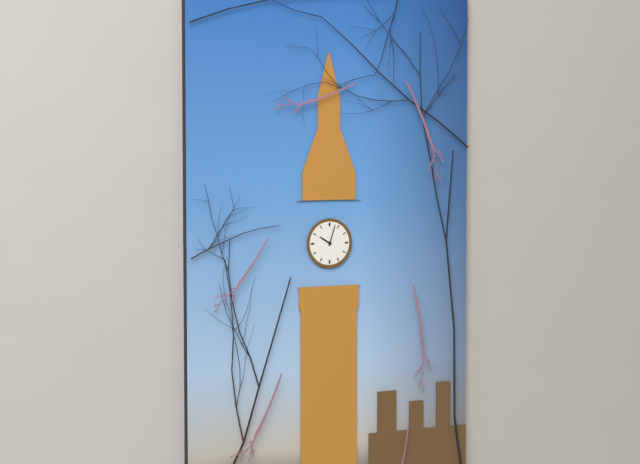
10:03
